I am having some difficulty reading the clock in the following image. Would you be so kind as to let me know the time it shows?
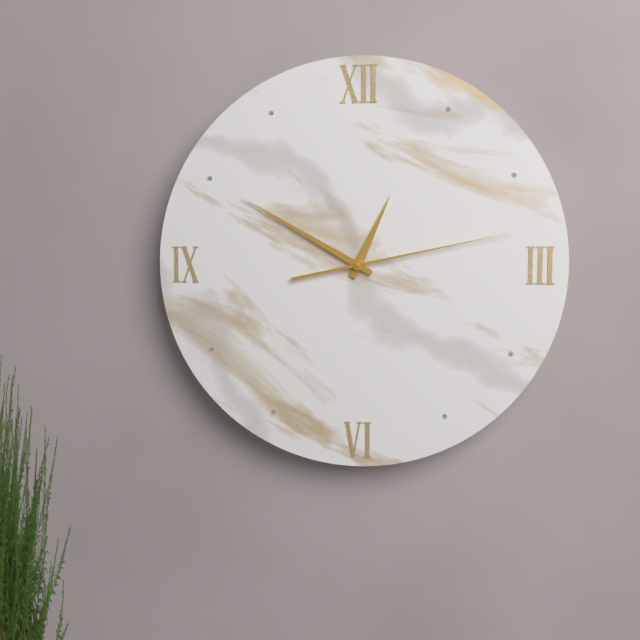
12:50:13
